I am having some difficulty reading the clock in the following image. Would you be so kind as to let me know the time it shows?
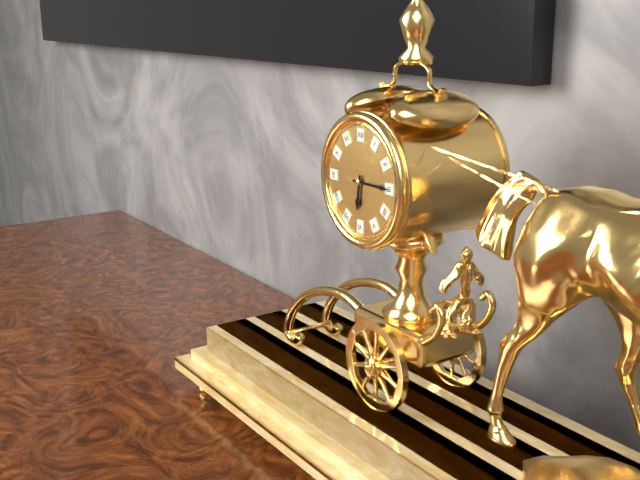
6:15
